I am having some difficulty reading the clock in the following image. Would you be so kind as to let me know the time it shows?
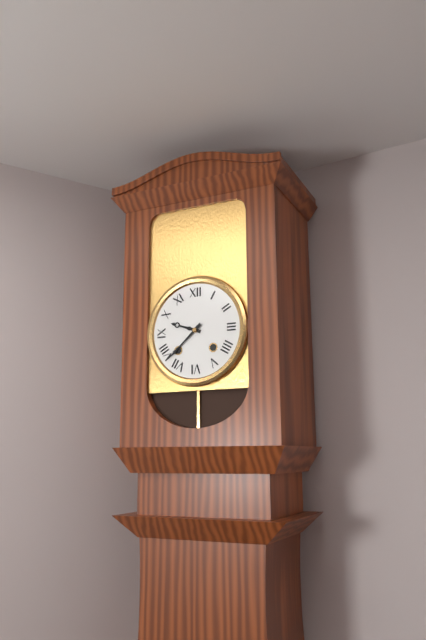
9:38
